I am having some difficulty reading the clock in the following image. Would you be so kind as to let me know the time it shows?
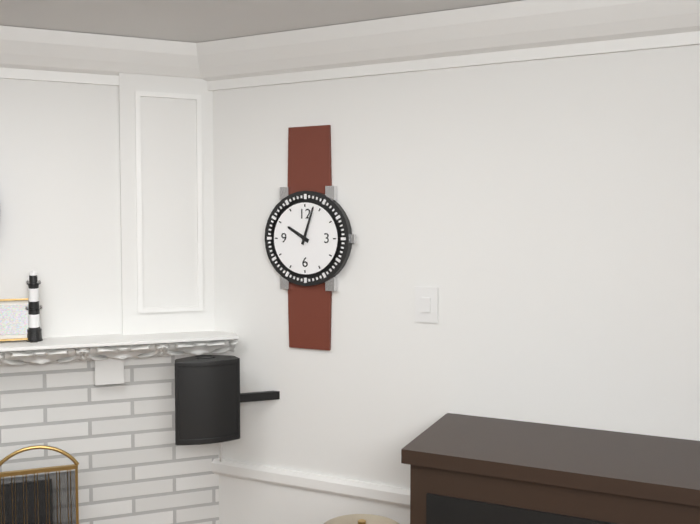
10:03
